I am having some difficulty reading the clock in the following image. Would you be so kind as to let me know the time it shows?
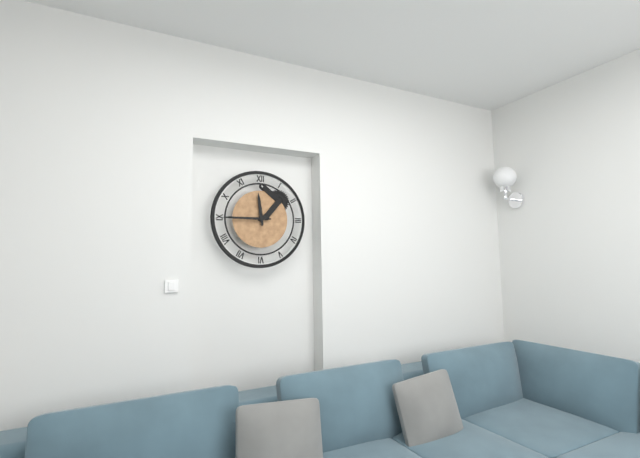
11:45
